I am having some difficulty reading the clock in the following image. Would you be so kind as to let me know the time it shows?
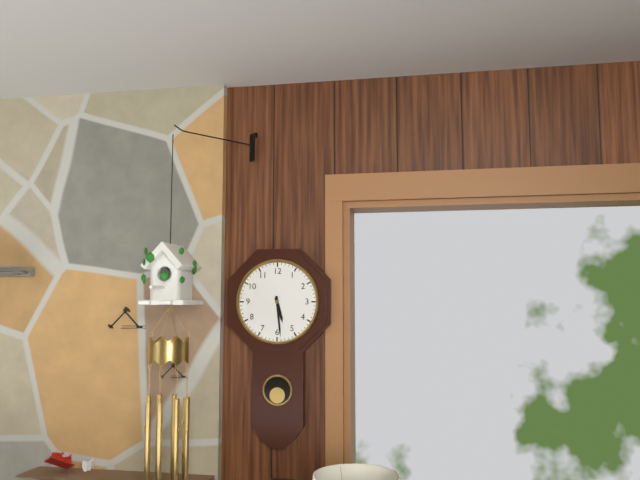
5:29
